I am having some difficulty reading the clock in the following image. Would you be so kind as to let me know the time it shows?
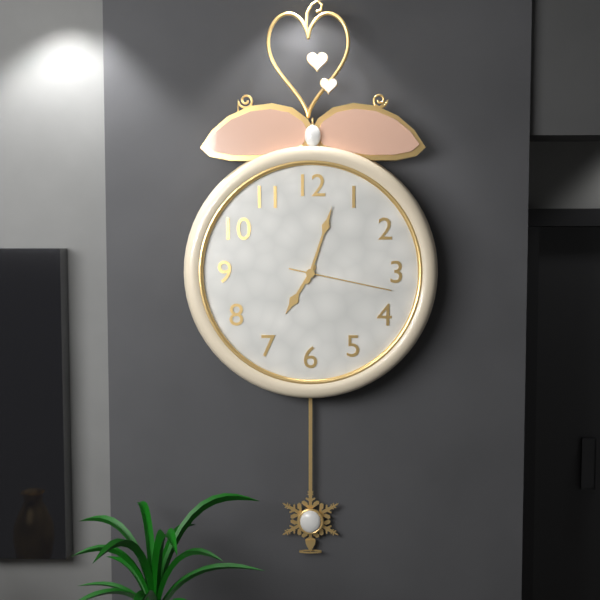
7:03:17
